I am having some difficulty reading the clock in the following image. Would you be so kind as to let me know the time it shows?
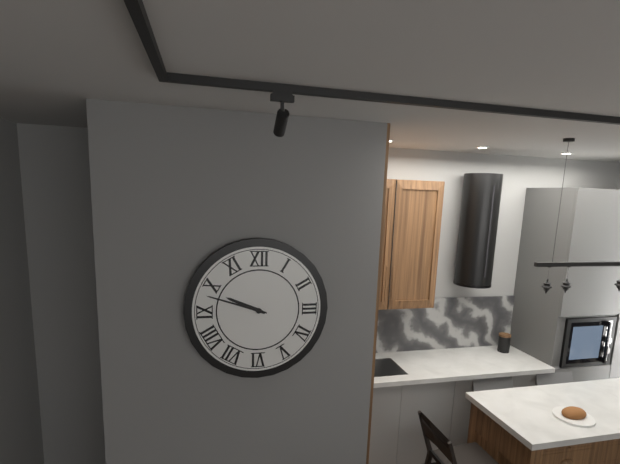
9:48
